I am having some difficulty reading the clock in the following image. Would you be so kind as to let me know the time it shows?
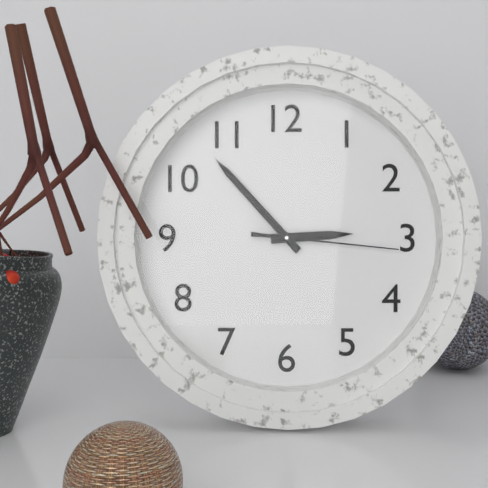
2:53:16
